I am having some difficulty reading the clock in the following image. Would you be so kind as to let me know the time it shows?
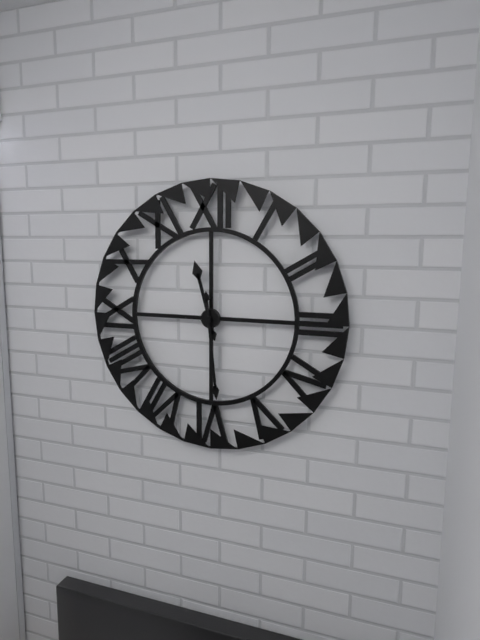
11:29
